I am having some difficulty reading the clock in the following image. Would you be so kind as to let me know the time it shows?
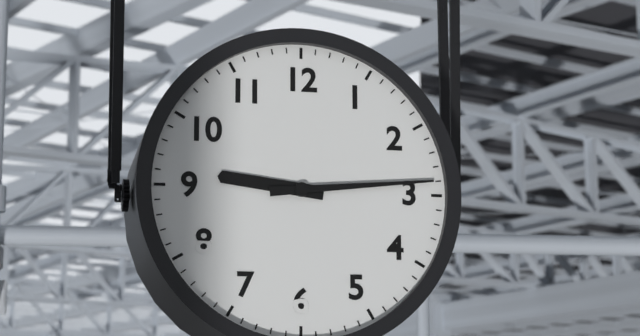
9:14
